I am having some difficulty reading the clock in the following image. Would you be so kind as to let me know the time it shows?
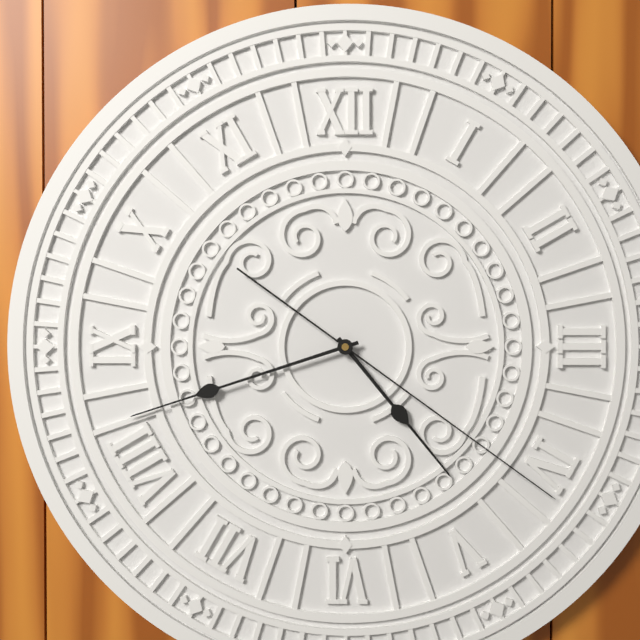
4:42:21
